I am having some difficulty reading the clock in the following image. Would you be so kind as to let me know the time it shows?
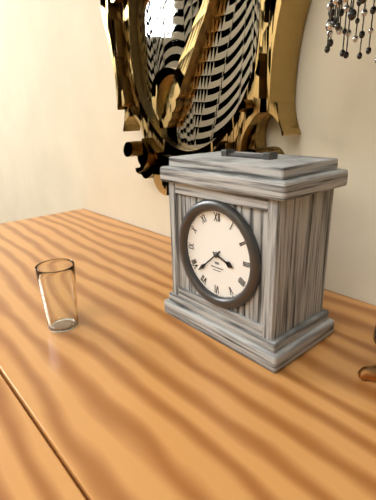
3:38
